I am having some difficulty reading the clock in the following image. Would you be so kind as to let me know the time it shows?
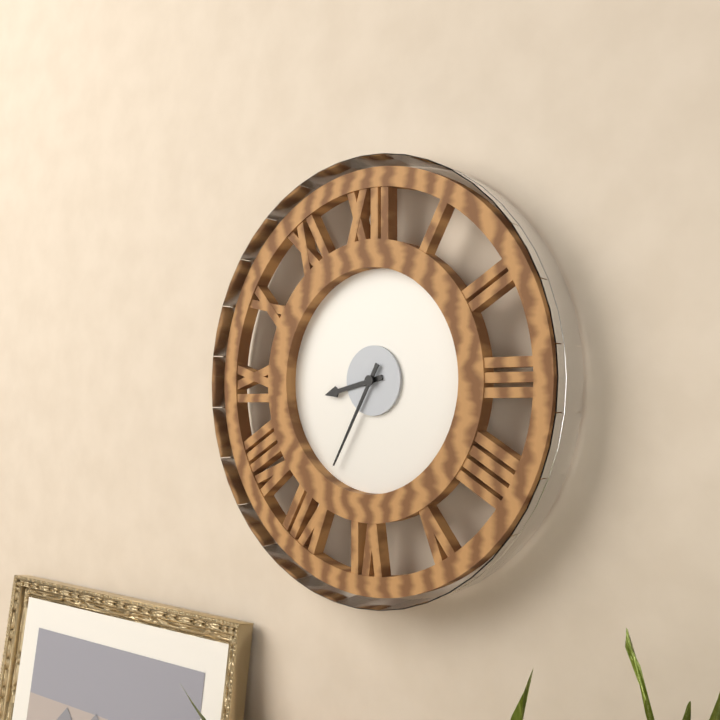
8:35
